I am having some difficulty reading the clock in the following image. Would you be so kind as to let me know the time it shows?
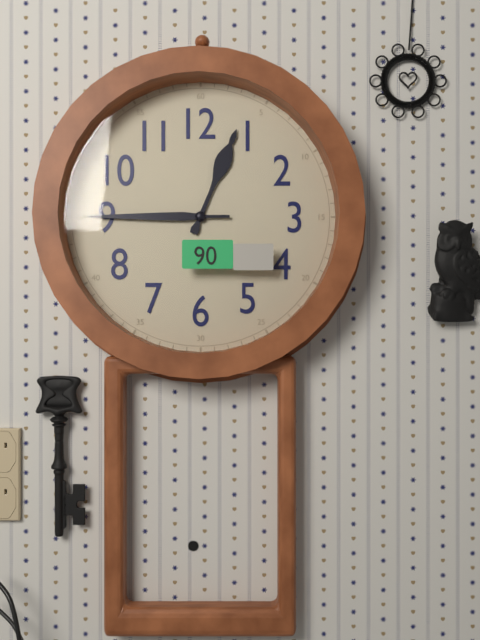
12:45
